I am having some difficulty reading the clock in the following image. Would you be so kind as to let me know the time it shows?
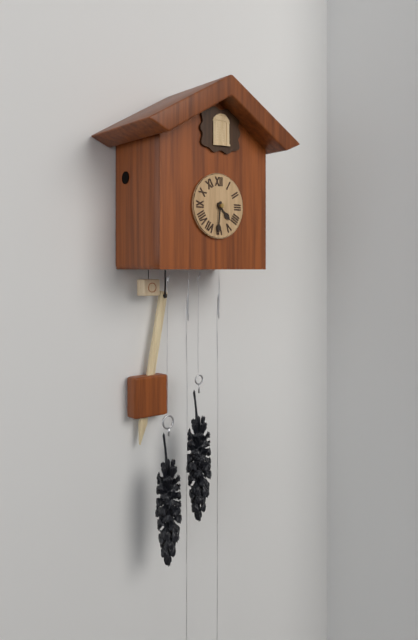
4:31
